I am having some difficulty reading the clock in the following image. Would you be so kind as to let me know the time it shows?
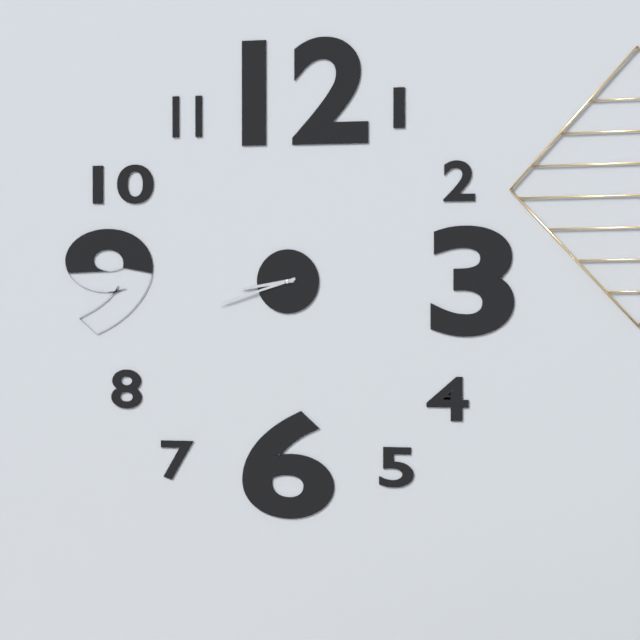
8:42
